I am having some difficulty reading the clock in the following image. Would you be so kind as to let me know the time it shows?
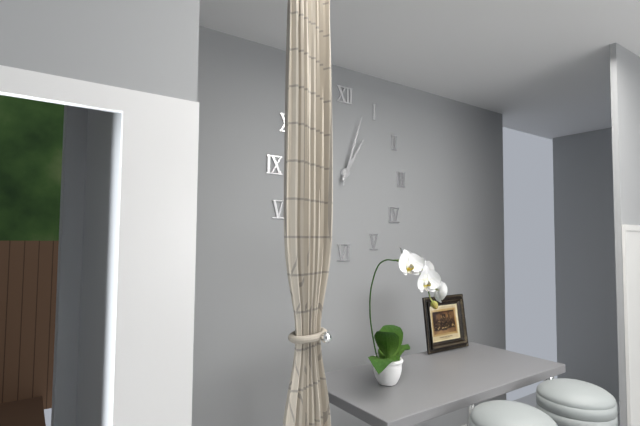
1:03
